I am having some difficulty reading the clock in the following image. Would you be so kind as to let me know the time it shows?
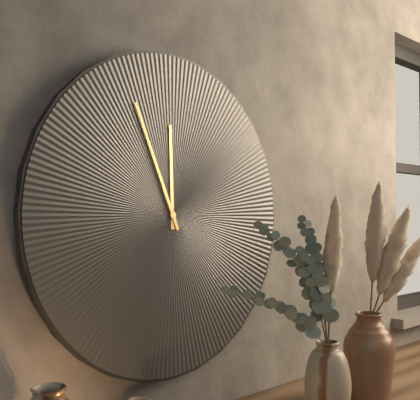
11:56
